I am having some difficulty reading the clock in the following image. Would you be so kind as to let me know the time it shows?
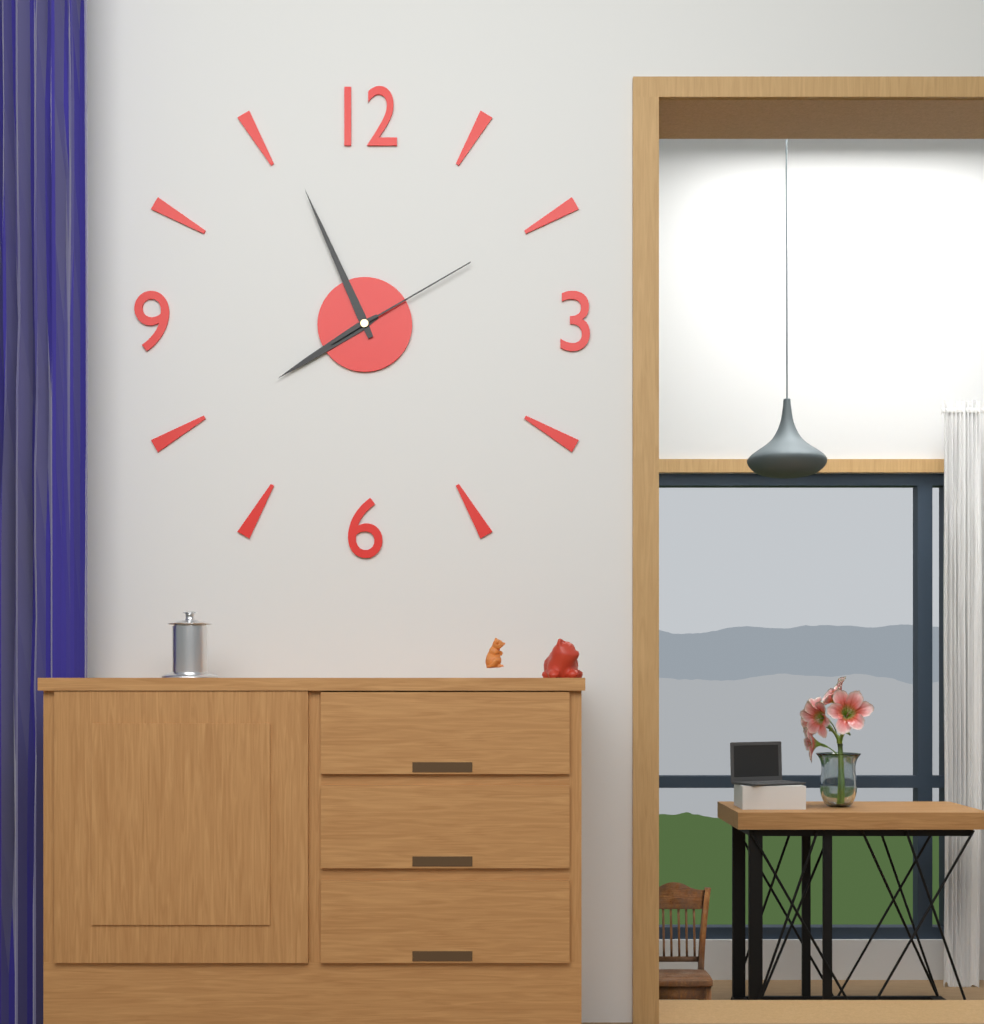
7:56:10
